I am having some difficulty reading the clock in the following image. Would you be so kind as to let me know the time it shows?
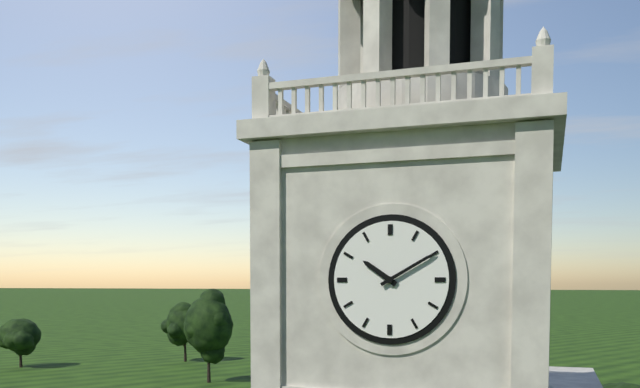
10:10
